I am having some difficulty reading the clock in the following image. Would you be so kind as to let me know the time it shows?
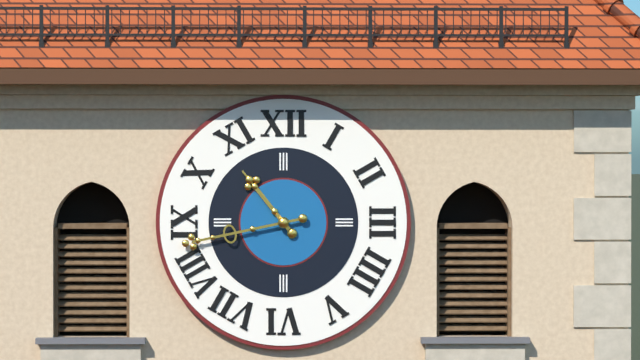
10:43
